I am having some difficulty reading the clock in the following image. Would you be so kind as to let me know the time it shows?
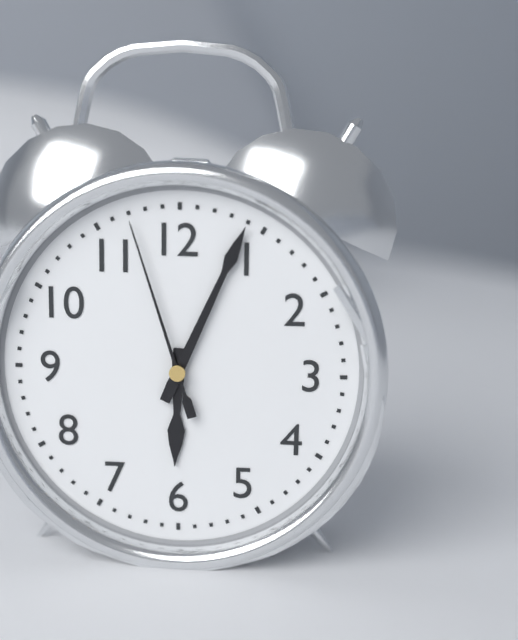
6:04:57
